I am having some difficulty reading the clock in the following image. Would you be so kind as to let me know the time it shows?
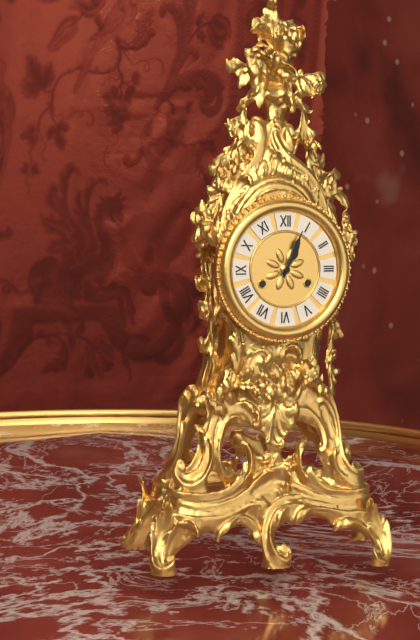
1:04
